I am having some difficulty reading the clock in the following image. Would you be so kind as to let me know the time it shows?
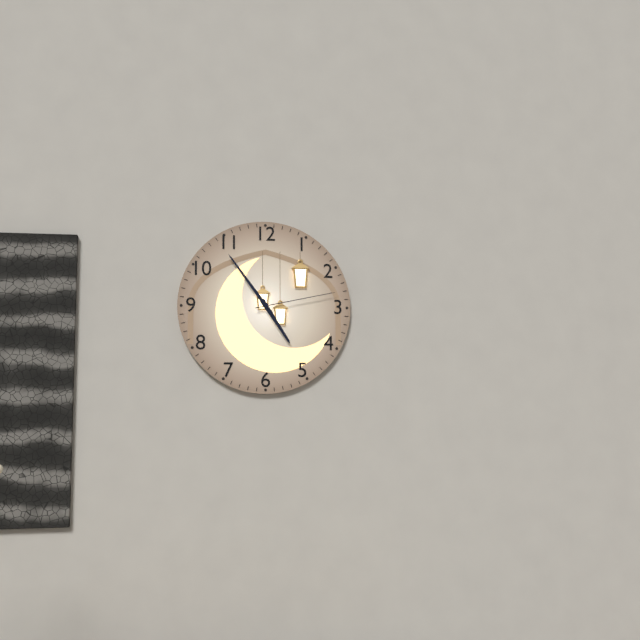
4:54:13
